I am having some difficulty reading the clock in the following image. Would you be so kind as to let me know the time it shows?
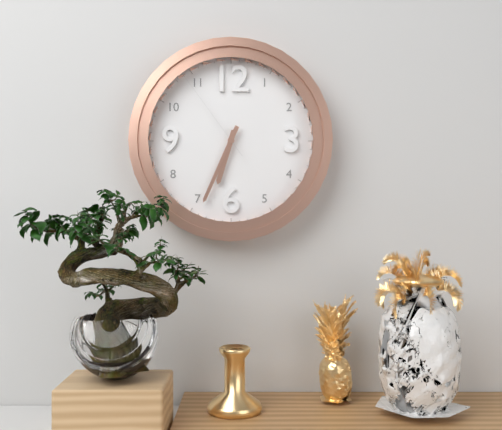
6:34:54
